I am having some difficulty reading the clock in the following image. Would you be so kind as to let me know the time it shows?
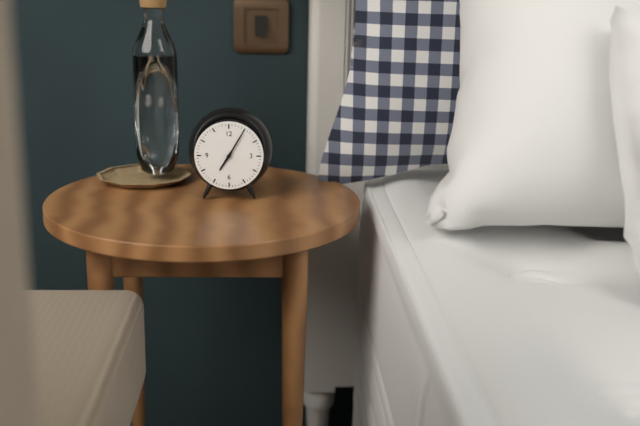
7:05
